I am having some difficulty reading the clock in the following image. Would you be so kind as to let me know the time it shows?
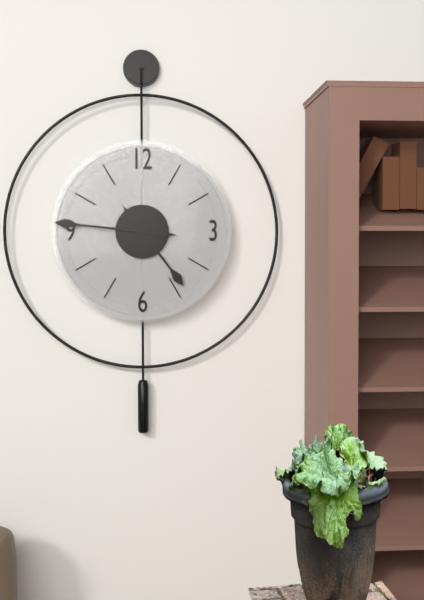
4:46
